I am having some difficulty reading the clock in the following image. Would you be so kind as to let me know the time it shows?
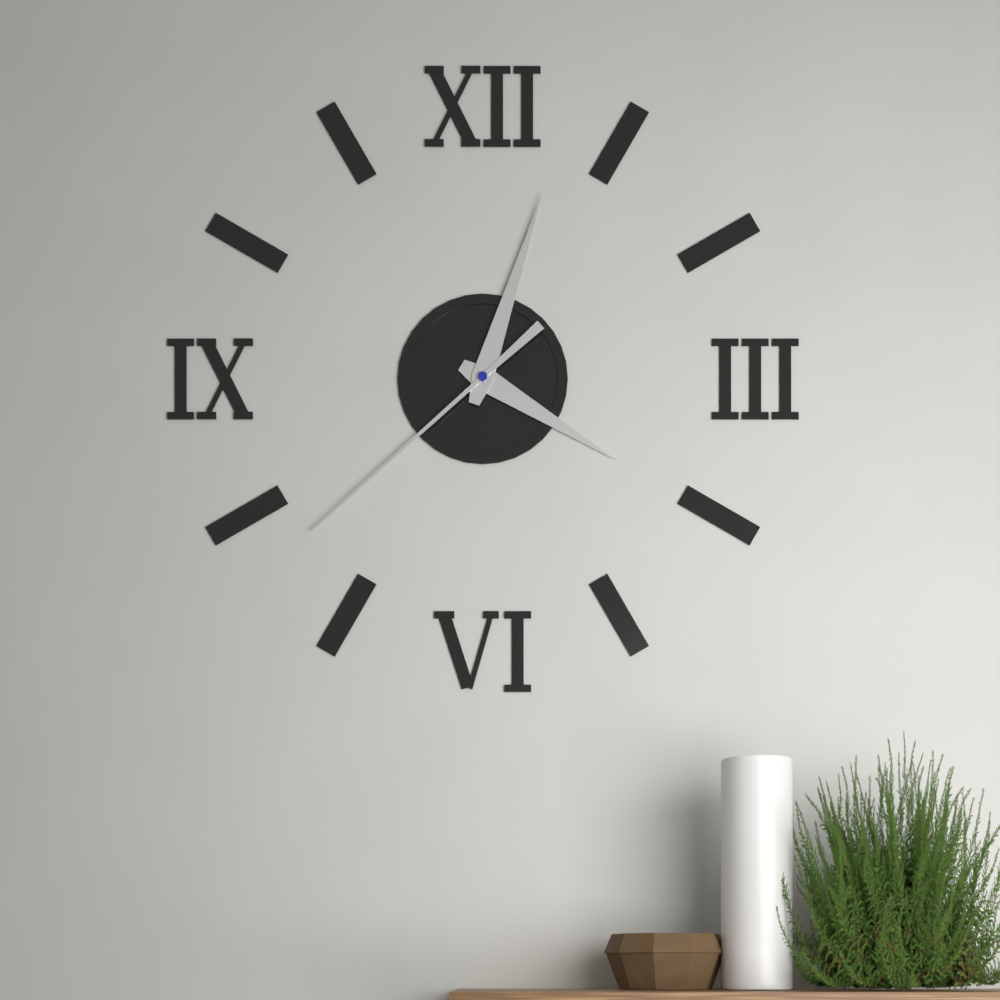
4:03:38
